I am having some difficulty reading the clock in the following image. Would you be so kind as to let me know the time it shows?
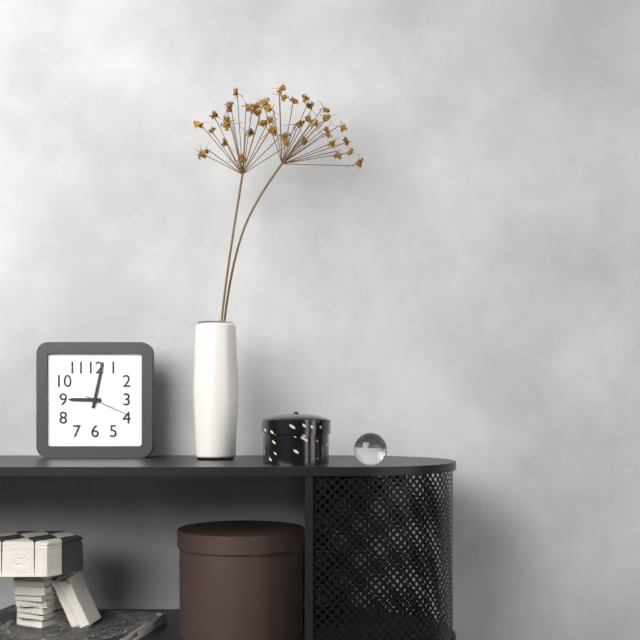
9:02
